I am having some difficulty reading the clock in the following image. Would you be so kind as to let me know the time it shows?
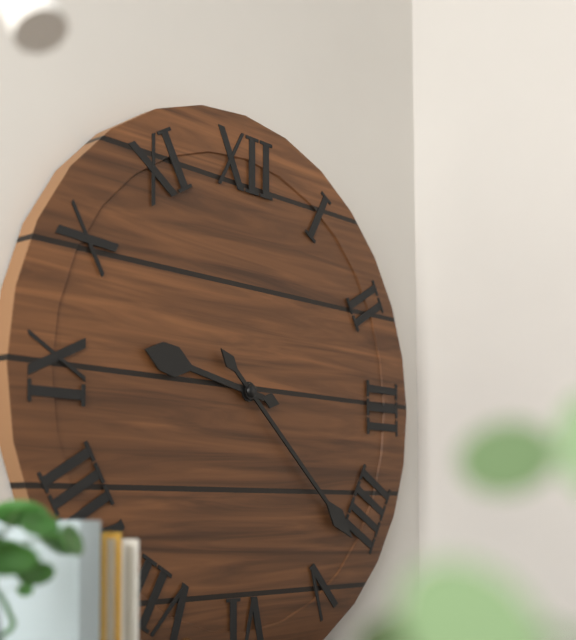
9:22
